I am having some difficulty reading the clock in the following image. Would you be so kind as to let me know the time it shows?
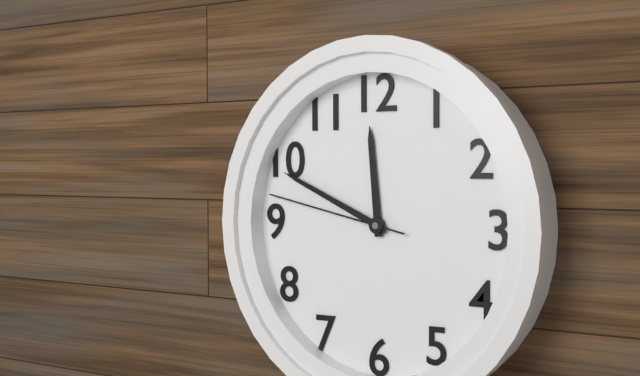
11:49:47
